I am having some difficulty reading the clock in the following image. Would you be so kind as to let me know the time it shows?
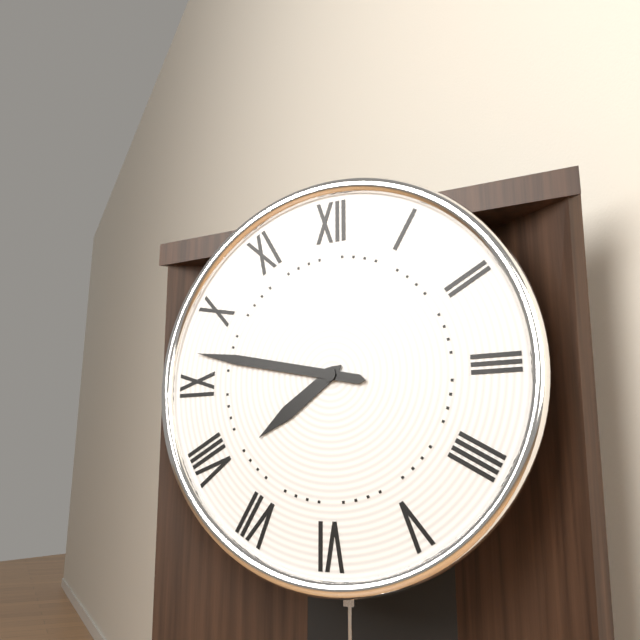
7:47
